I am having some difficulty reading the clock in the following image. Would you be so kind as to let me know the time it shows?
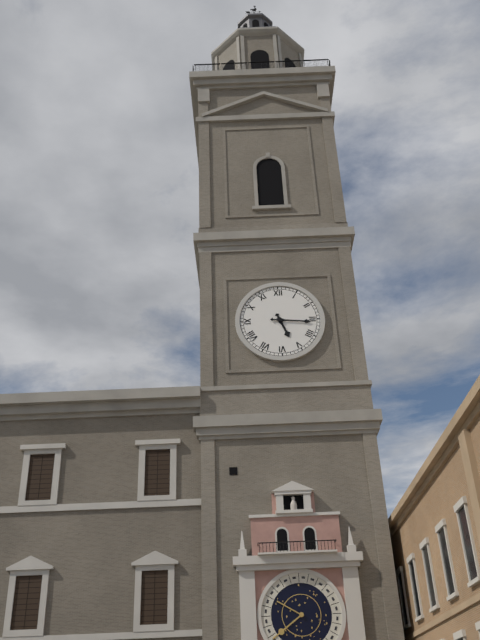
5:16
